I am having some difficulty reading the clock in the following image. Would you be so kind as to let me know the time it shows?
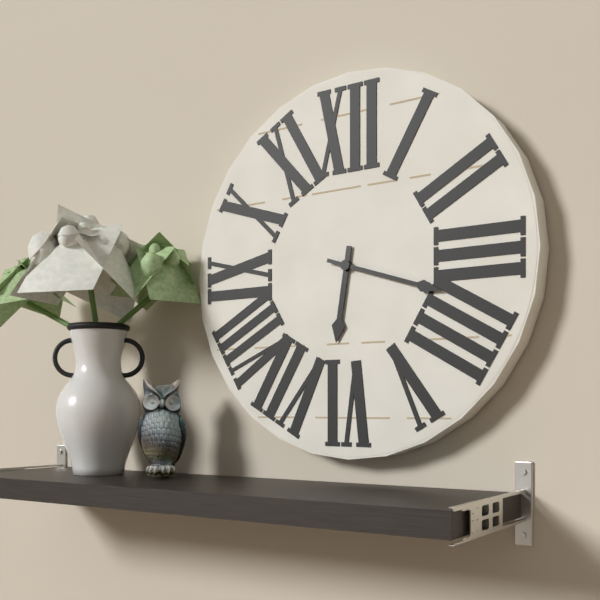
6:18
